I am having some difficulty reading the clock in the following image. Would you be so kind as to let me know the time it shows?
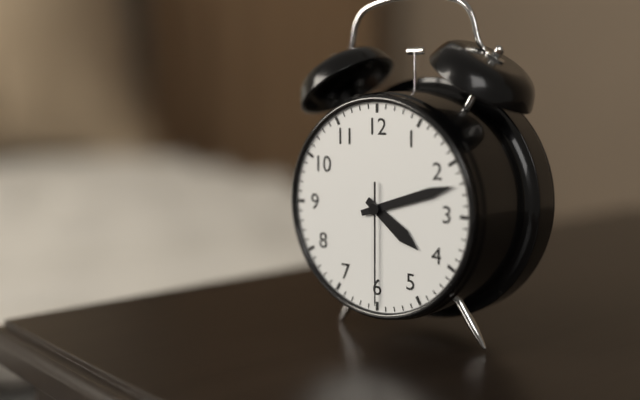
4:12:30
